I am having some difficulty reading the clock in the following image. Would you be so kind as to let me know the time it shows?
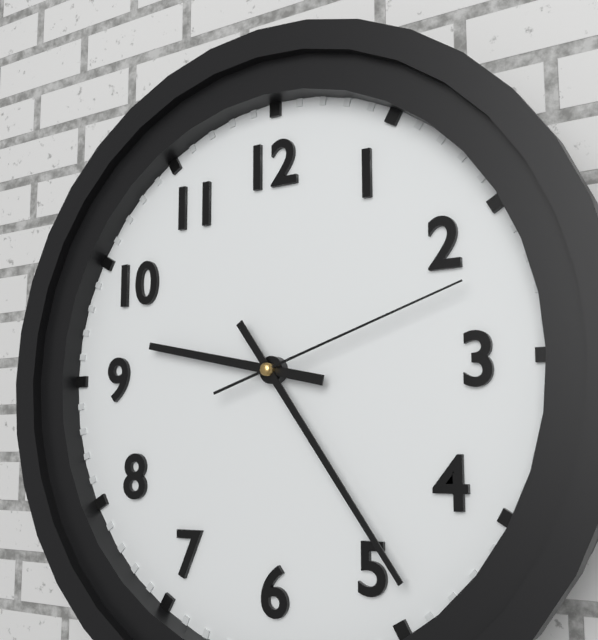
9:24:12
